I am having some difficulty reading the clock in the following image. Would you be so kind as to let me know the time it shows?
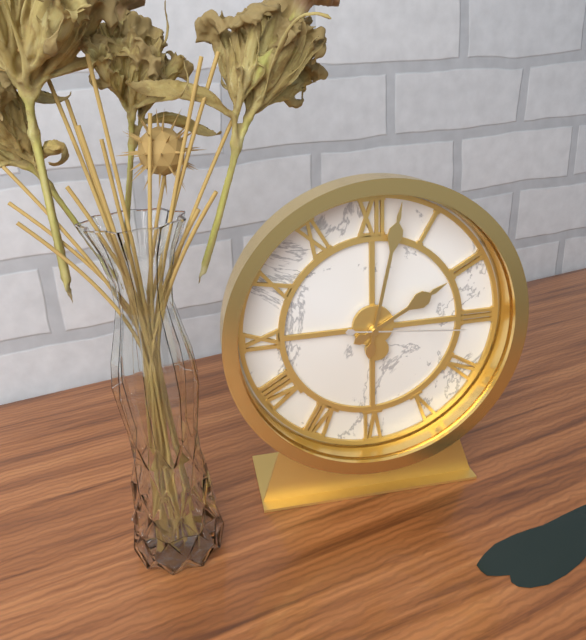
2:02:16
